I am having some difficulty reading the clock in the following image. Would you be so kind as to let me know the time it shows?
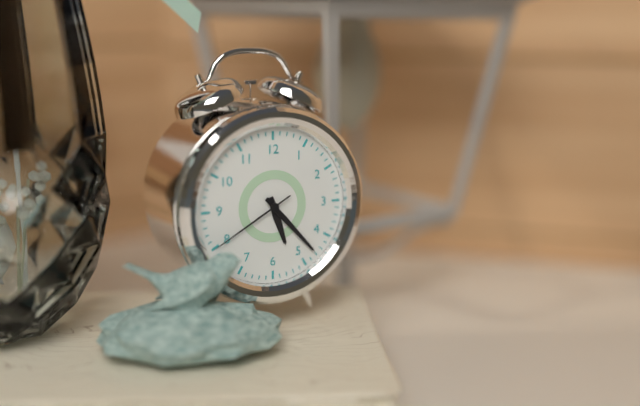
5:23:40
